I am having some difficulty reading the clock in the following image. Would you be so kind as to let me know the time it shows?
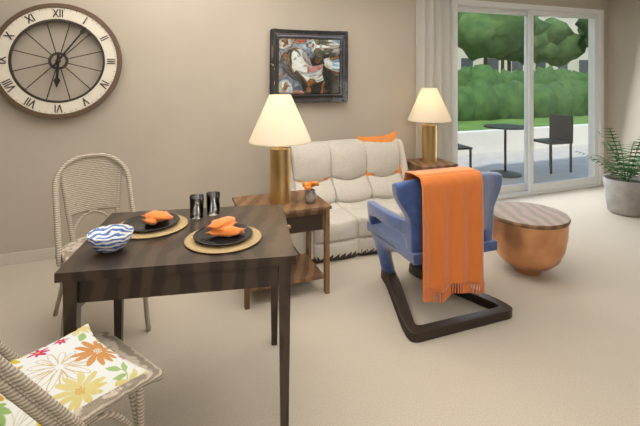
6:06
